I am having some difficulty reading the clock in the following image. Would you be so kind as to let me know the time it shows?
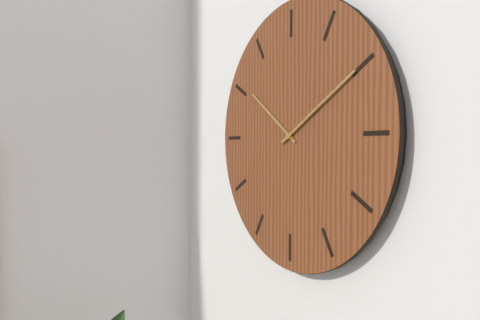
10:10
